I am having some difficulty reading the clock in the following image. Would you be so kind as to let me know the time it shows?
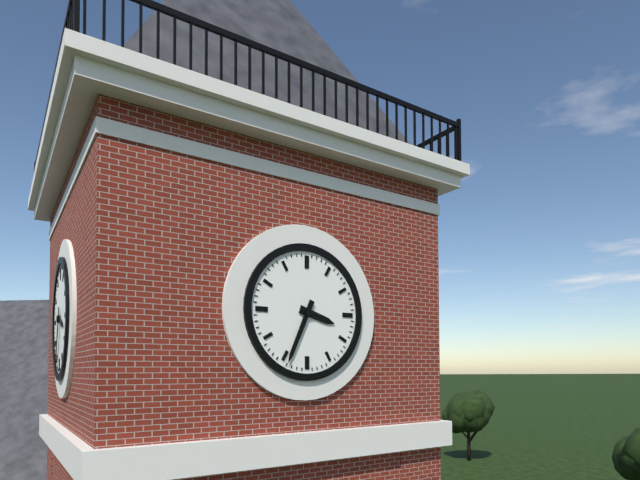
3:34
